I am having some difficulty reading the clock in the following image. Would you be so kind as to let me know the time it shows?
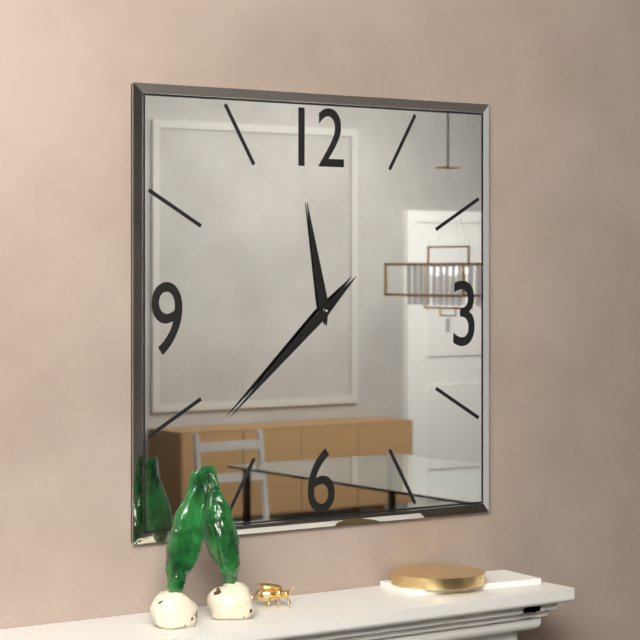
11:38
